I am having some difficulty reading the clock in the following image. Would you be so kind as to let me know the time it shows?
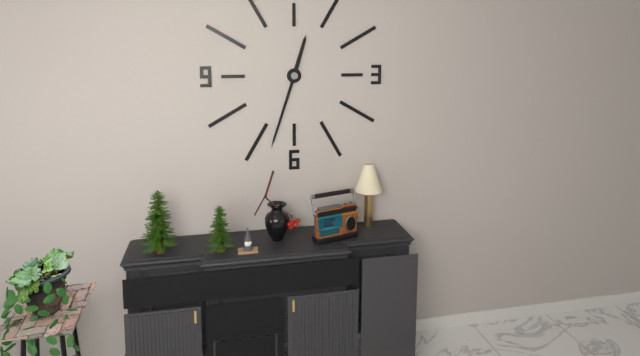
12:33
